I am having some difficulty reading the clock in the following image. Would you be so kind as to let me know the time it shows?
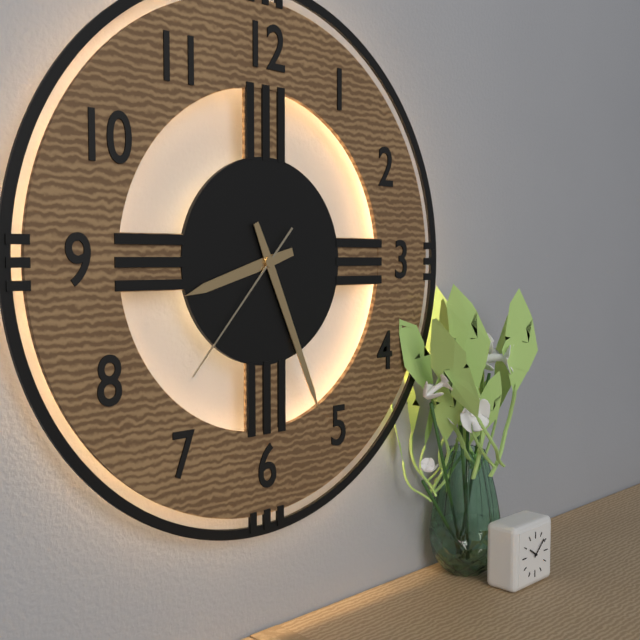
8:26:37
